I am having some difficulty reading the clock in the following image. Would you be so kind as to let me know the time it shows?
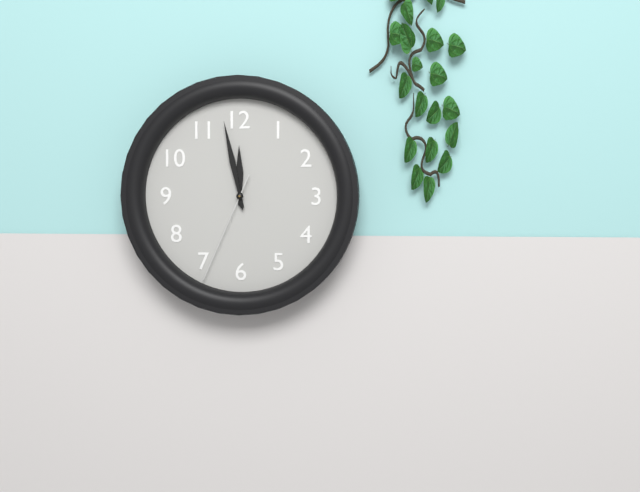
11:58:34
